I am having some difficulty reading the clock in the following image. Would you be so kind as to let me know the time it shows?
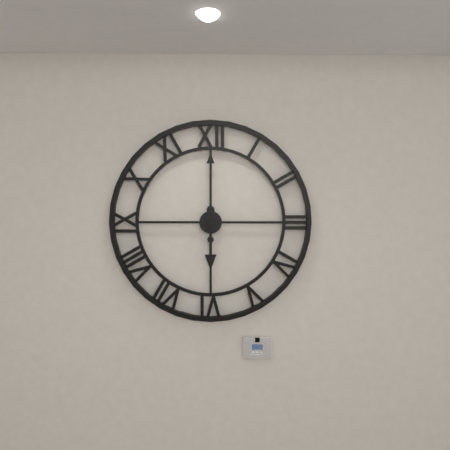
6:00
